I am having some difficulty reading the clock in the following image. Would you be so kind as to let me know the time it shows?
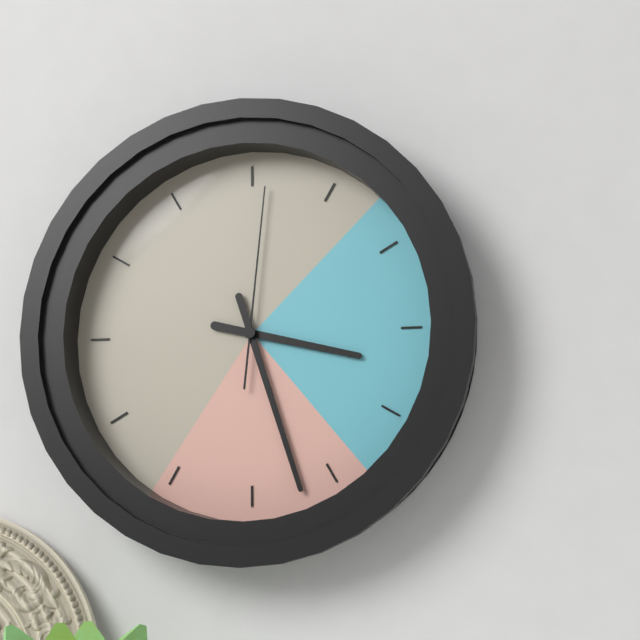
3:27:01
